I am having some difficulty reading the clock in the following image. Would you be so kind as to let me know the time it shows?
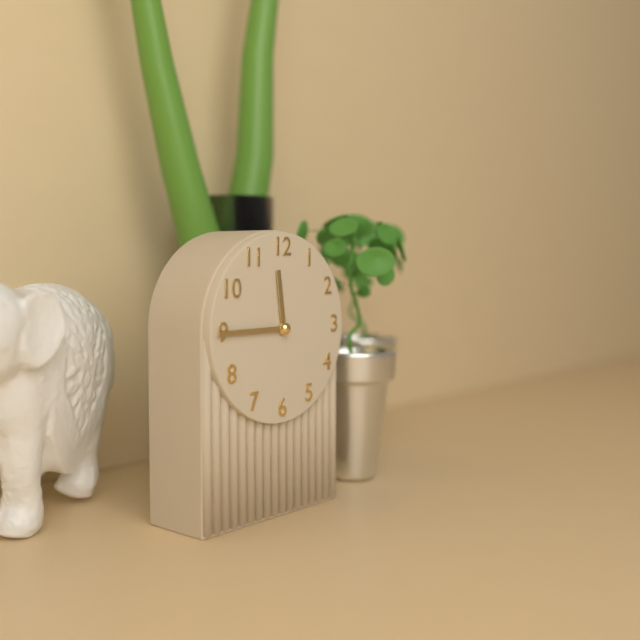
11:45
